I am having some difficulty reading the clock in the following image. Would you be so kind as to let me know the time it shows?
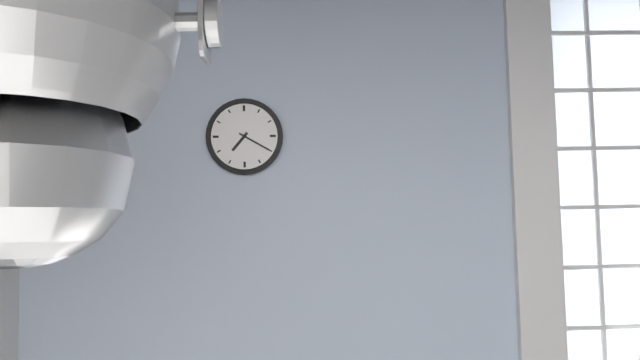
7:20
